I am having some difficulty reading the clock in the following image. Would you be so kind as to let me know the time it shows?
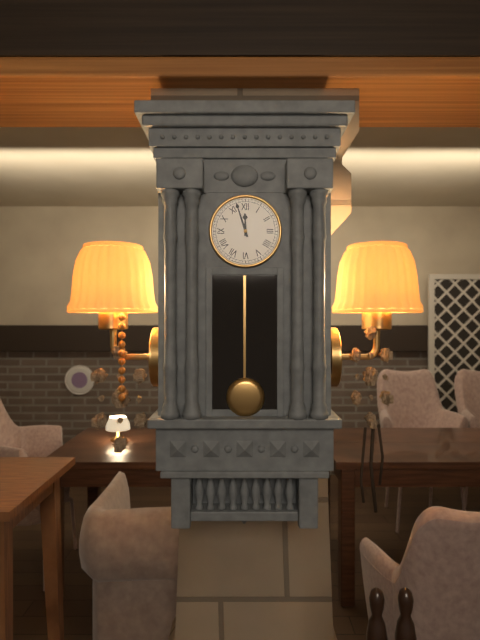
11:57
